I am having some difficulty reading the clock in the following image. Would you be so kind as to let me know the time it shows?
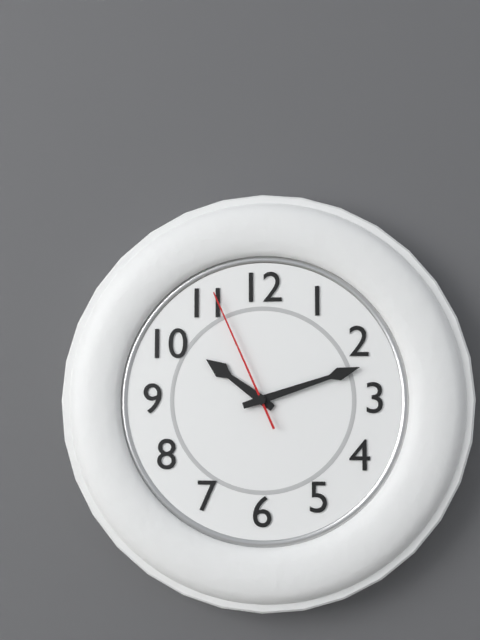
10:12:56
